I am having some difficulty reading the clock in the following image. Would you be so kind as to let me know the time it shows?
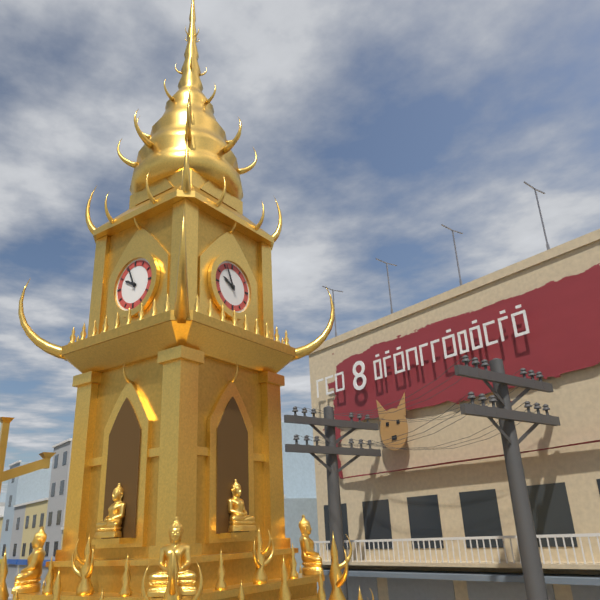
9:56
